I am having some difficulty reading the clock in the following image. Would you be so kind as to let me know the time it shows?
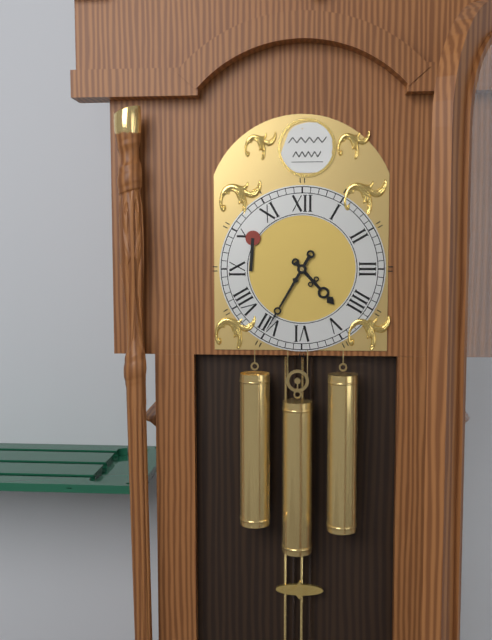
4:35
